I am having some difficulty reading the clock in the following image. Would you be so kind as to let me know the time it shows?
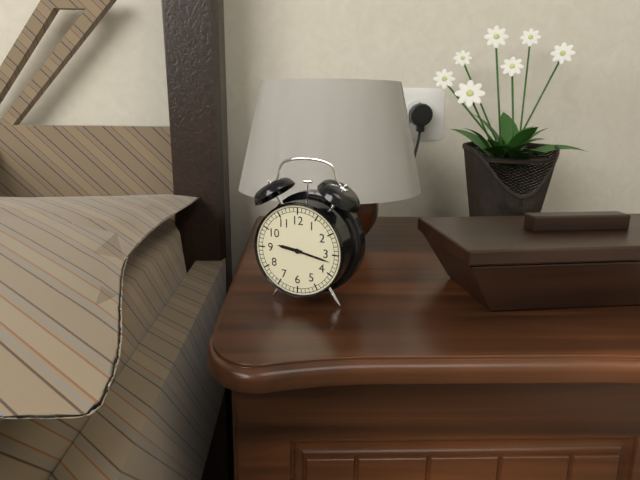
9:17
